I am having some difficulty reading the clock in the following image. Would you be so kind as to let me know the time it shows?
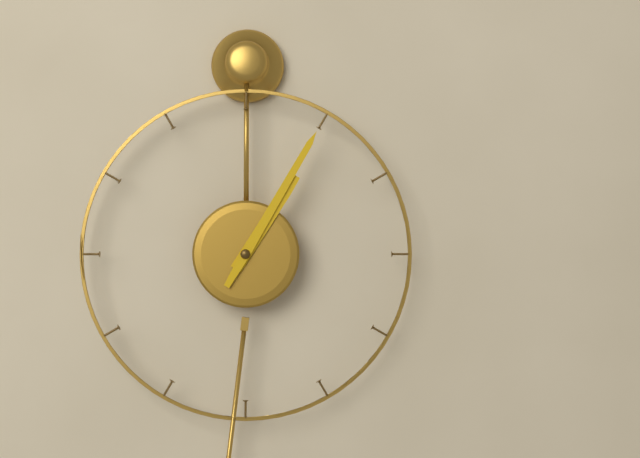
1:05
